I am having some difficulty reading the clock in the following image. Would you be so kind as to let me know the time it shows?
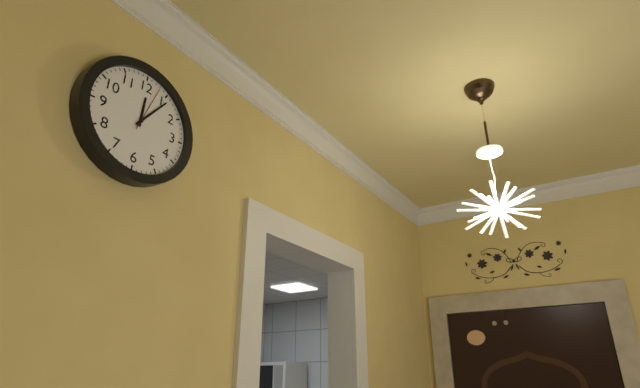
12:06
